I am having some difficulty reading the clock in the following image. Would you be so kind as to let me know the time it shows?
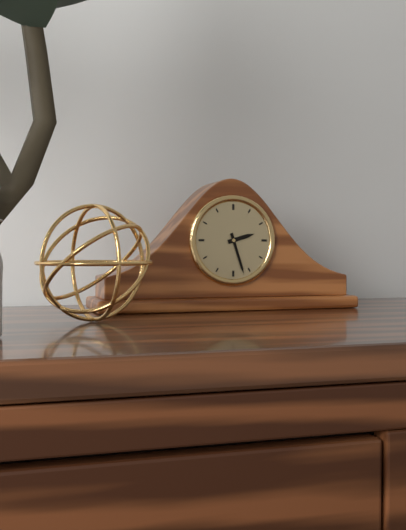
2:27
